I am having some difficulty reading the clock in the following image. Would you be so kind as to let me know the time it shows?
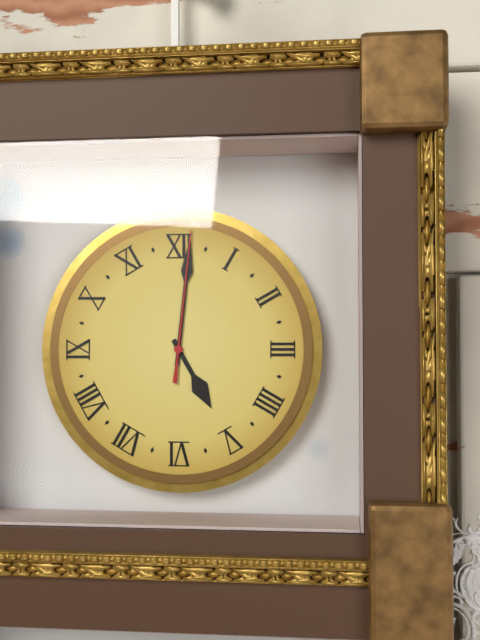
5:01:01
